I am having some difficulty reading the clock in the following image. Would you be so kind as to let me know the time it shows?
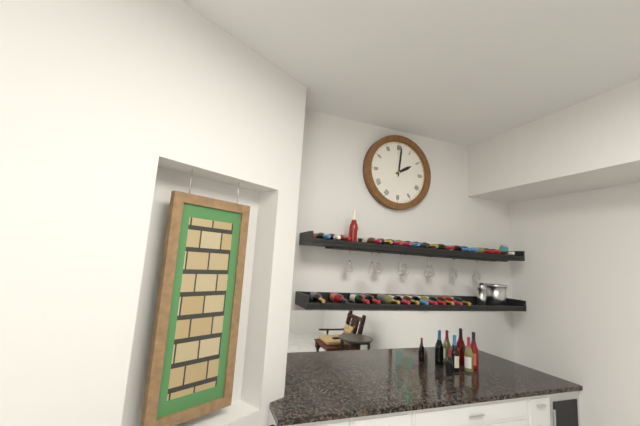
2:01
